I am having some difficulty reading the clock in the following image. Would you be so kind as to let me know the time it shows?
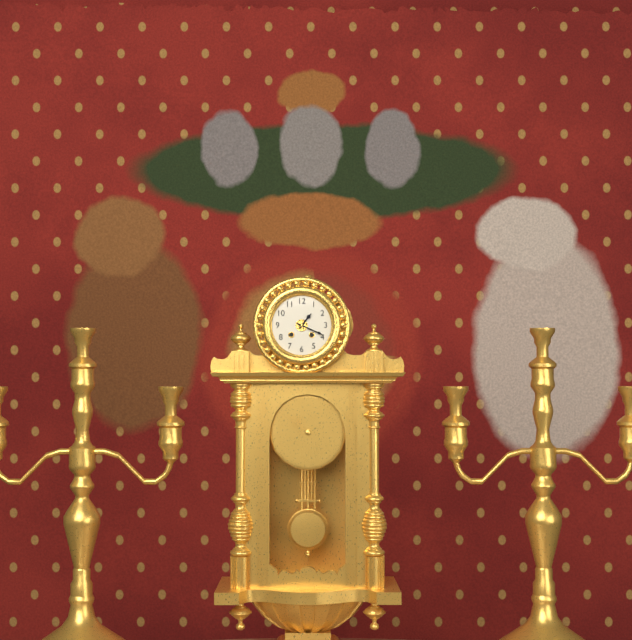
1:19
